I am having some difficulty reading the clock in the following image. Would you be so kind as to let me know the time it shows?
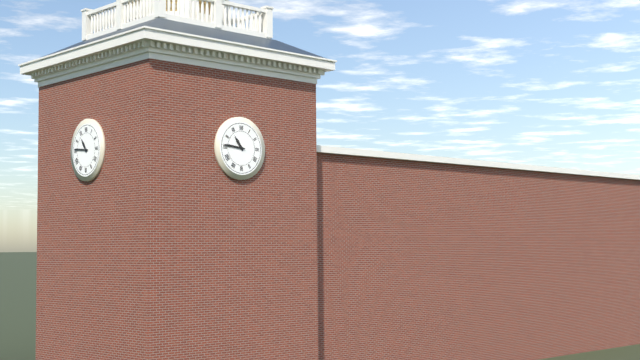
10:46
